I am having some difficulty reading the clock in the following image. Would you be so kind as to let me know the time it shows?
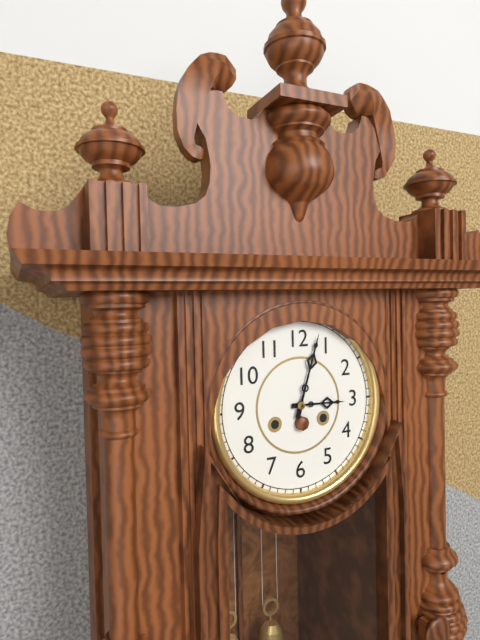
3:03
